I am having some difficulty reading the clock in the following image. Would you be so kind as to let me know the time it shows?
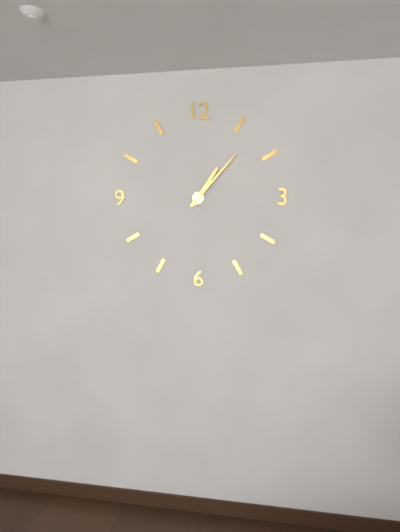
1:07
